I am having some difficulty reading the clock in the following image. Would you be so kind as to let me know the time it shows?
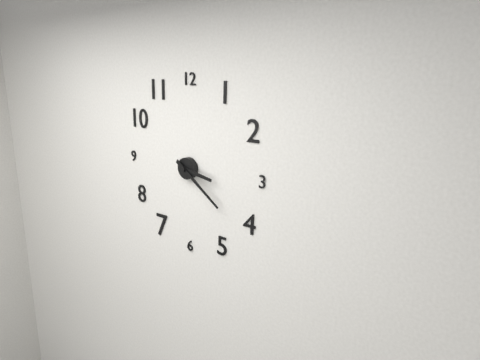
3:21
